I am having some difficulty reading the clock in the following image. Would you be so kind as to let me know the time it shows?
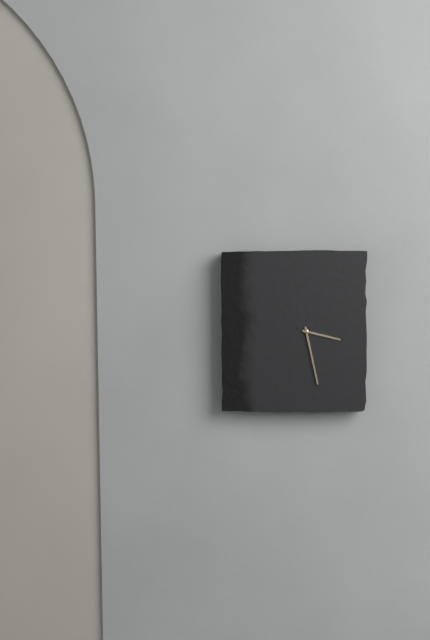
3:28
